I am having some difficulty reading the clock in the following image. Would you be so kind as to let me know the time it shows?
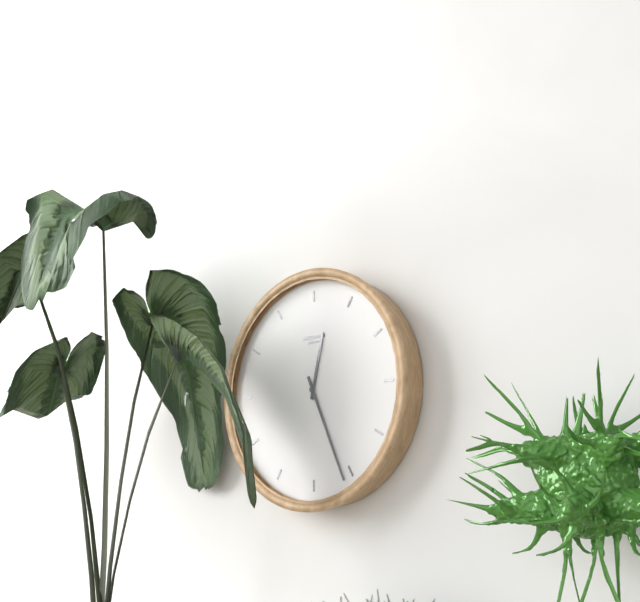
12:26
